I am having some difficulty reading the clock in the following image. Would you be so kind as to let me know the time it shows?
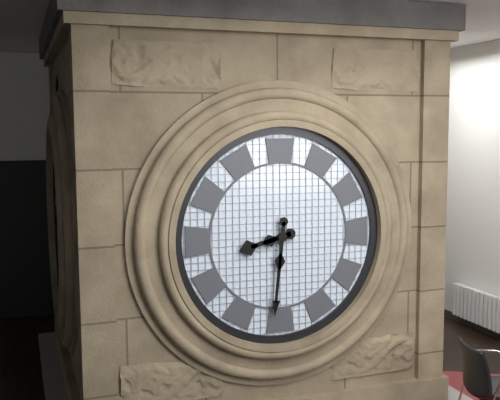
8:31
